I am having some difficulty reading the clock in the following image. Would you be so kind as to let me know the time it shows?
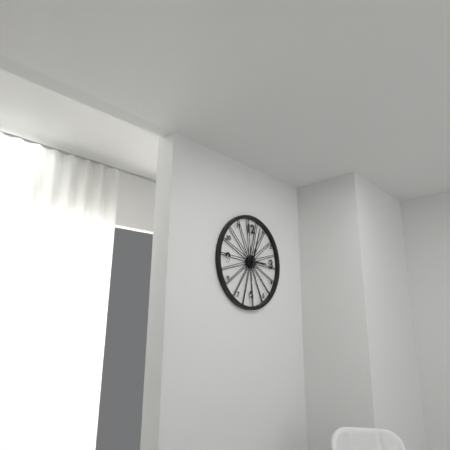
3:03
